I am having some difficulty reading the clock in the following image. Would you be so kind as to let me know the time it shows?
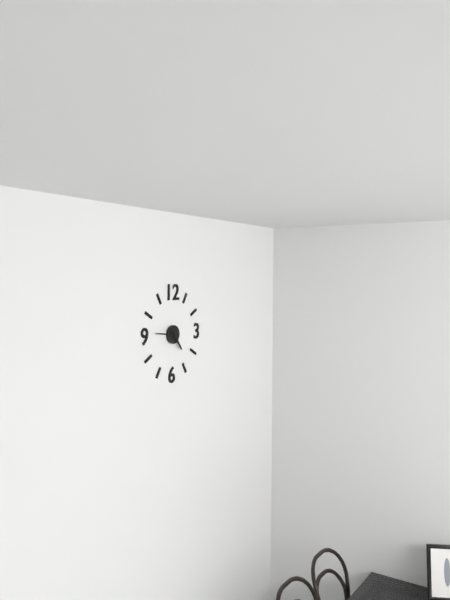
4:46
